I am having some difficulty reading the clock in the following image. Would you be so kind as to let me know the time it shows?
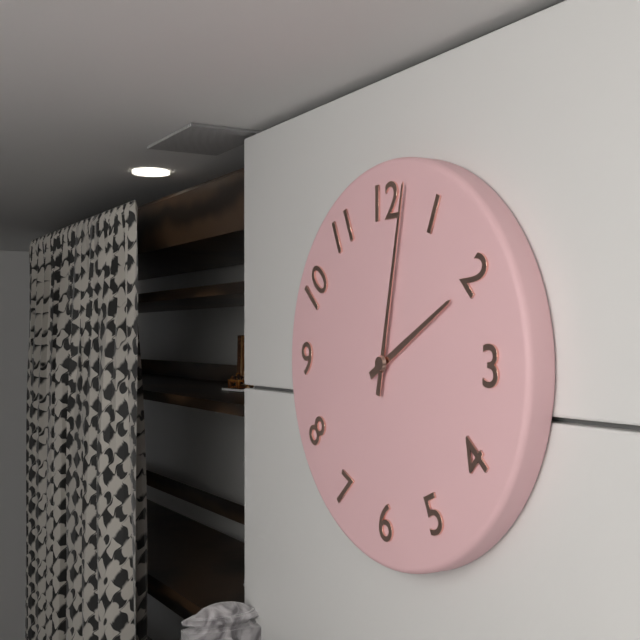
2:02
